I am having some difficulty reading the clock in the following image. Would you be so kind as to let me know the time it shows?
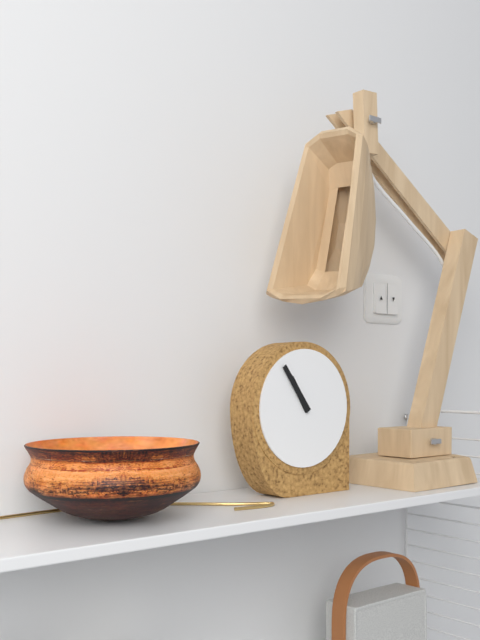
10:54
